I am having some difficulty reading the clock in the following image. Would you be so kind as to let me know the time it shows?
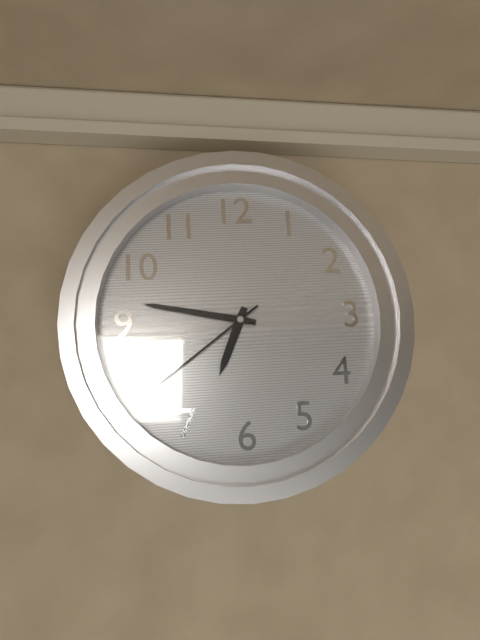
6:47:39
